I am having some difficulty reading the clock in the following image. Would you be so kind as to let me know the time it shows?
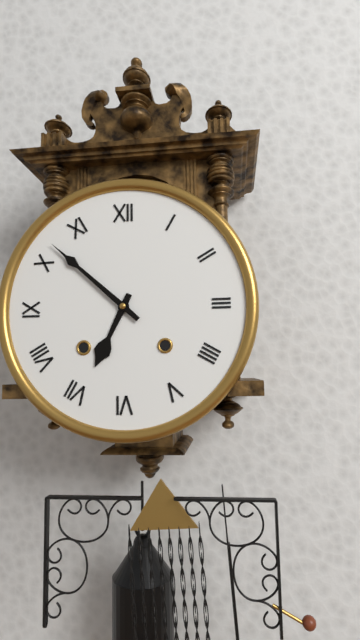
6:52
